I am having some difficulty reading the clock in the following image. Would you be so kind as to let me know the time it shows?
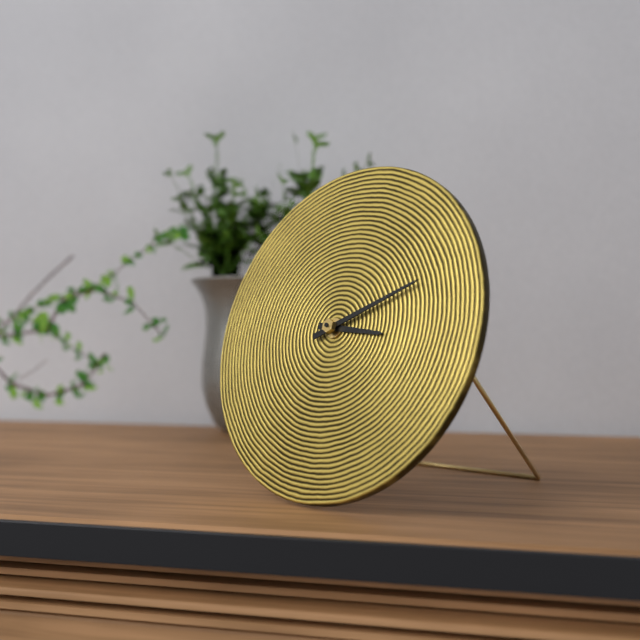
3:11
